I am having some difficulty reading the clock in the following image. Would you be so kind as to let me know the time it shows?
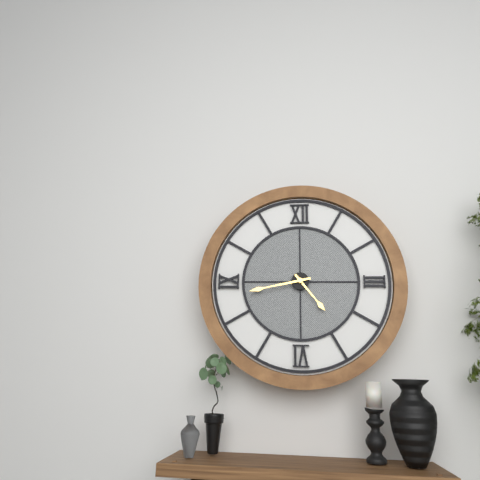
4:43
